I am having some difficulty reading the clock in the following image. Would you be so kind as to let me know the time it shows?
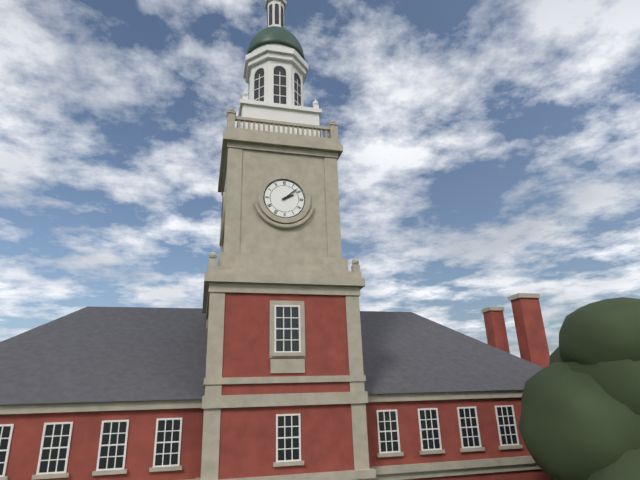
2:08
